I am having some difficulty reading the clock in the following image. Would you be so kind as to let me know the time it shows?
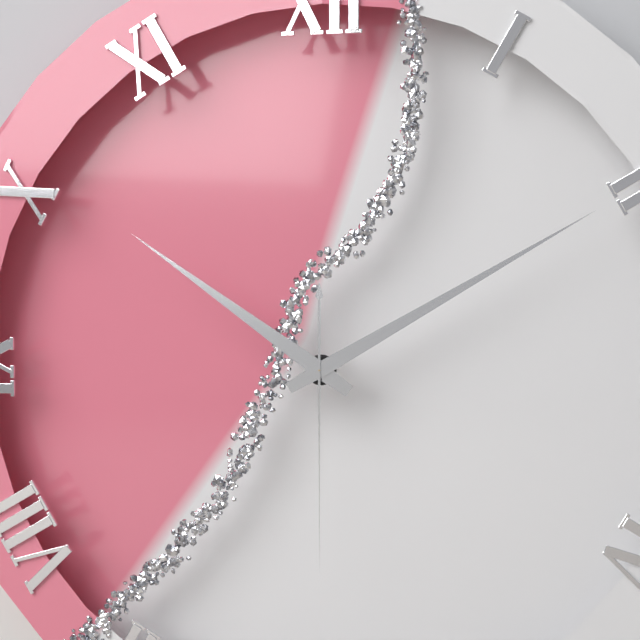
10:10:30
